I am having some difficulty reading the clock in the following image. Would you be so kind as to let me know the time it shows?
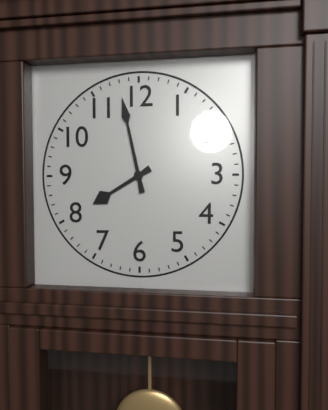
7:58
